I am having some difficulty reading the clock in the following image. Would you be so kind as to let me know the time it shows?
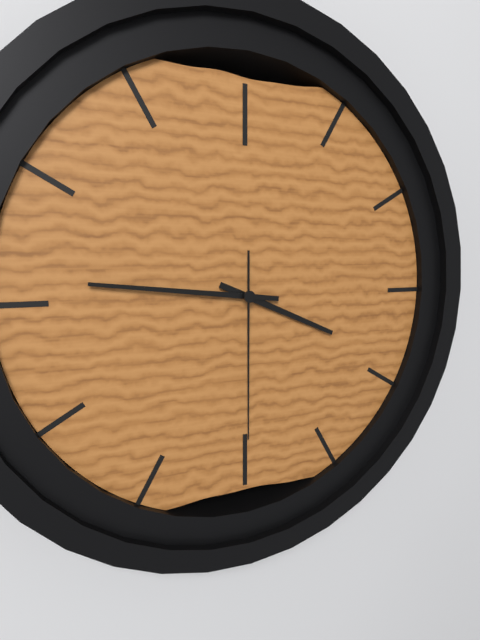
3:46:30
